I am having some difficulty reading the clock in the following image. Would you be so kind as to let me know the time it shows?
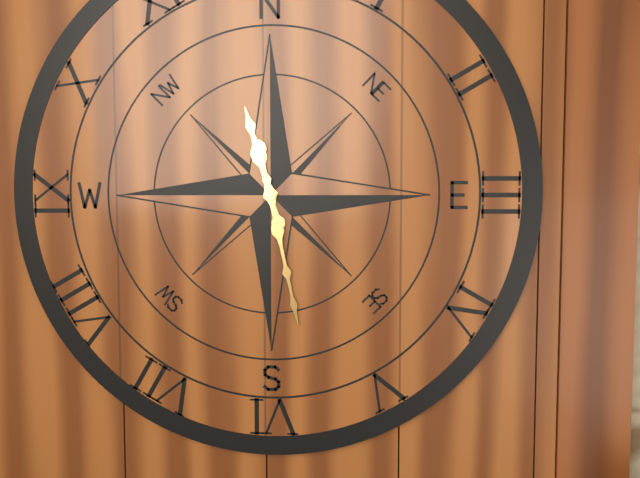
11:28
